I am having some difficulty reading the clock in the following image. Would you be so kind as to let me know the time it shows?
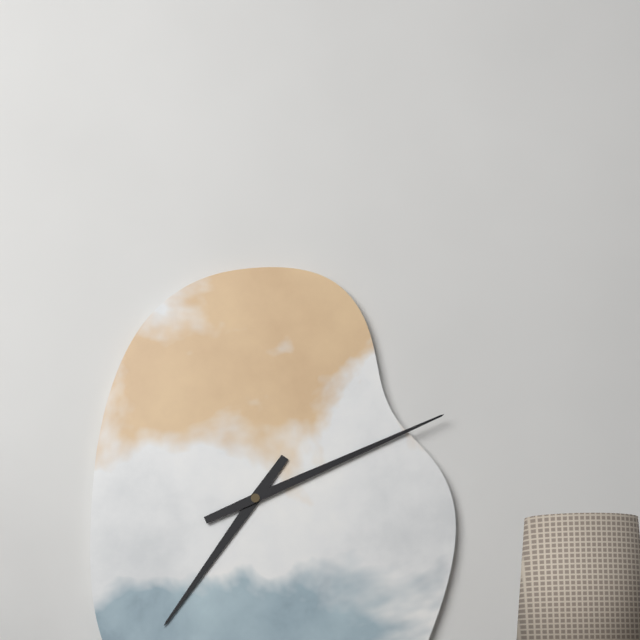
7:11
